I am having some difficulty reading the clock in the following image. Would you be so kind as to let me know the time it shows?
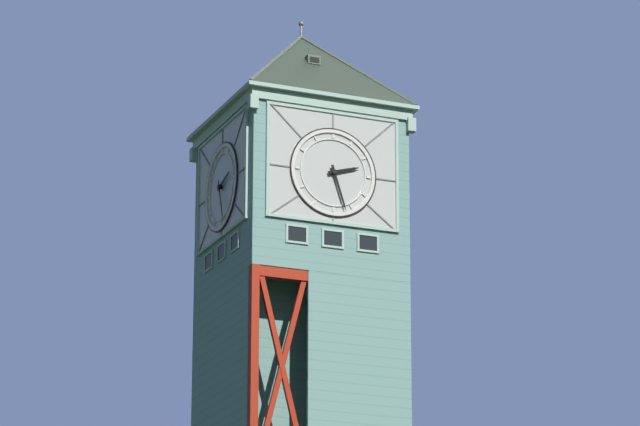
2:27
